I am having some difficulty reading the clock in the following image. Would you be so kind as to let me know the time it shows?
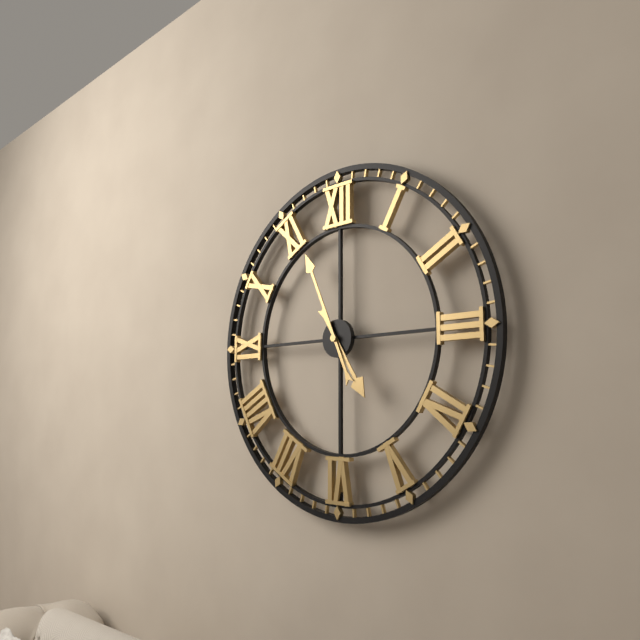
4:56
